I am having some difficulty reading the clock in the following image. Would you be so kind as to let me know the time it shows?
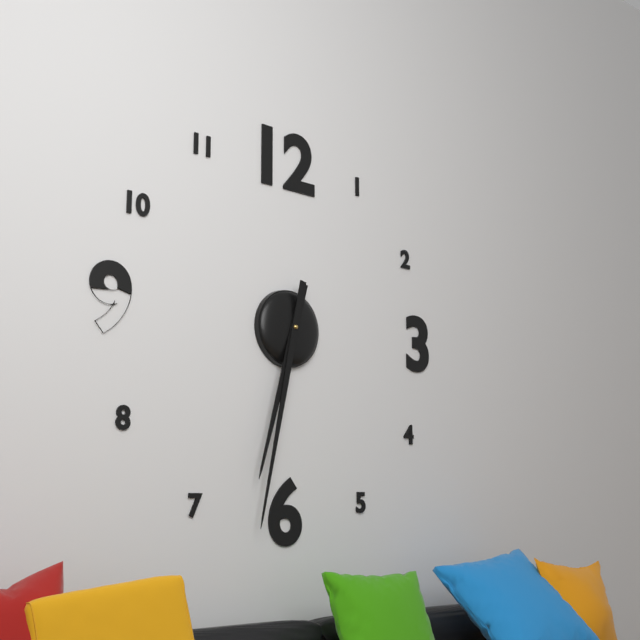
6:32
